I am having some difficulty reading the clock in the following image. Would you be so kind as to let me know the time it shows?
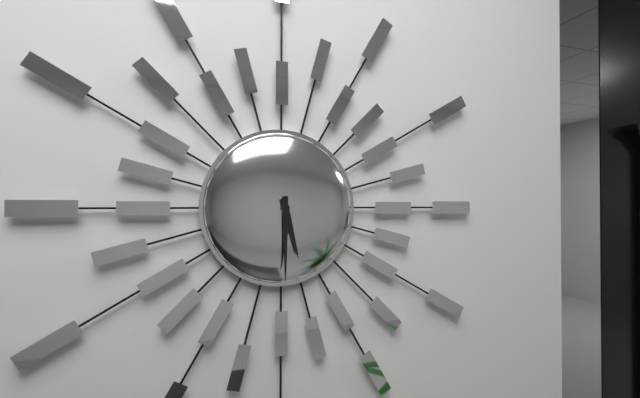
5:30
